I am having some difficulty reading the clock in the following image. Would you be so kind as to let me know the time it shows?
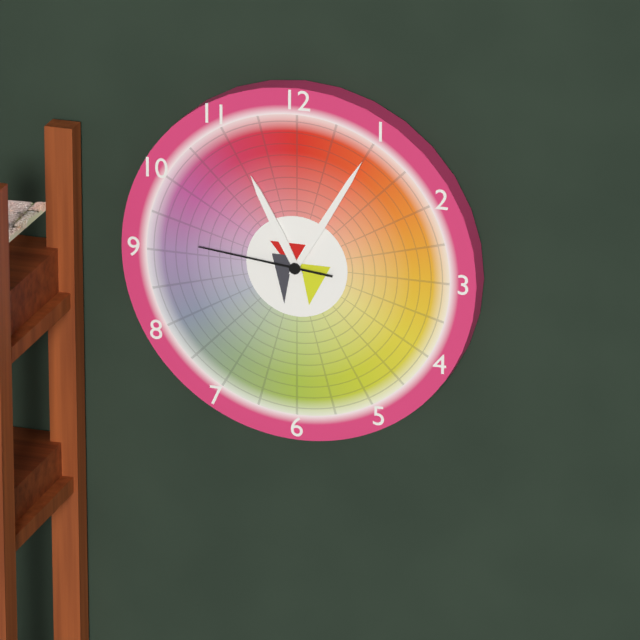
11:05:46
